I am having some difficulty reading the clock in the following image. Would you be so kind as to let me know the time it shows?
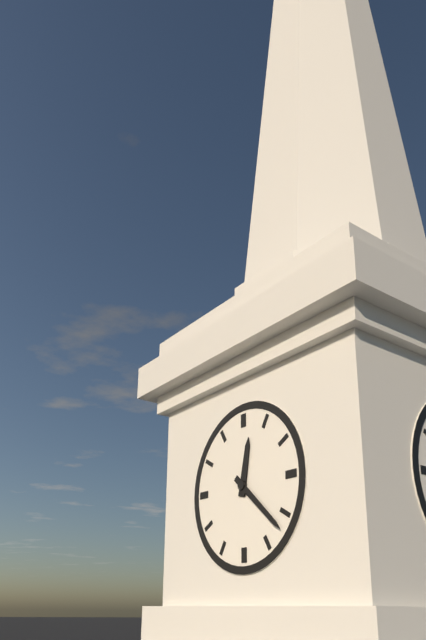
12:22
